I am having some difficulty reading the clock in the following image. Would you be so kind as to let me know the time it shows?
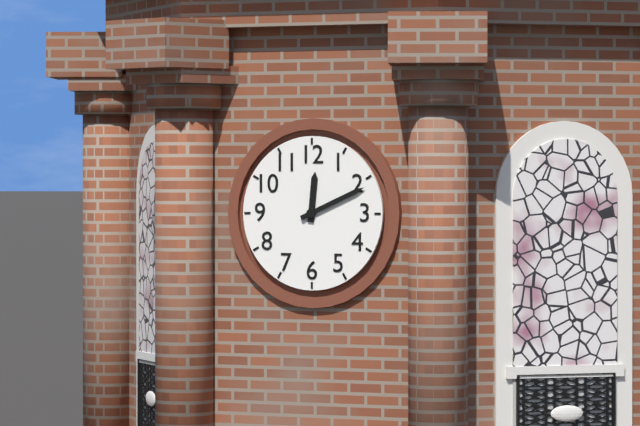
12:11
